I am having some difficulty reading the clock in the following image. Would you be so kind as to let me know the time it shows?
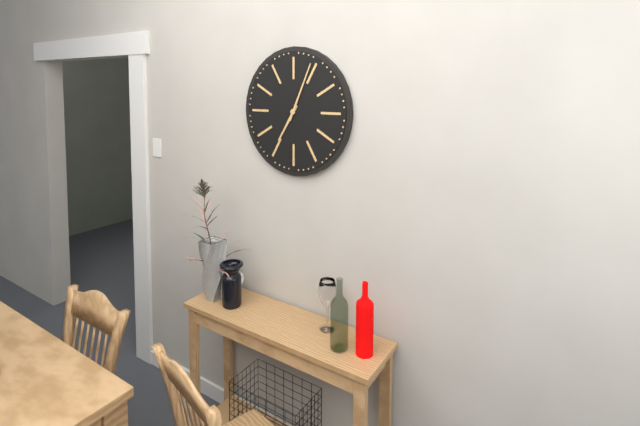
7:04
